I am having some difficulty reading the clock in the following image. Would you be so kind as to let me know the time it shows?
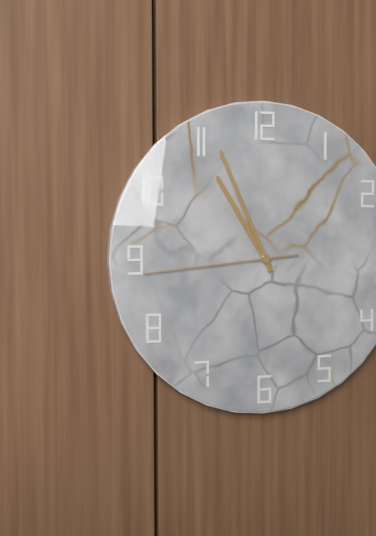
10:56:44
